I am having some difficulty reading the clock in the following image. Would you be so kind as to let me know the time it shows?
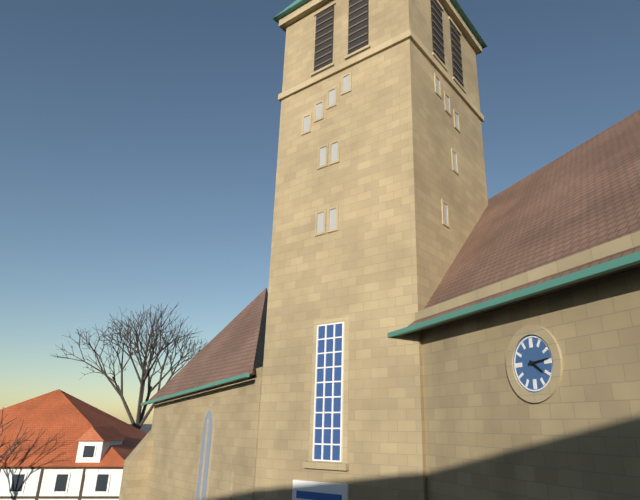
4:14
